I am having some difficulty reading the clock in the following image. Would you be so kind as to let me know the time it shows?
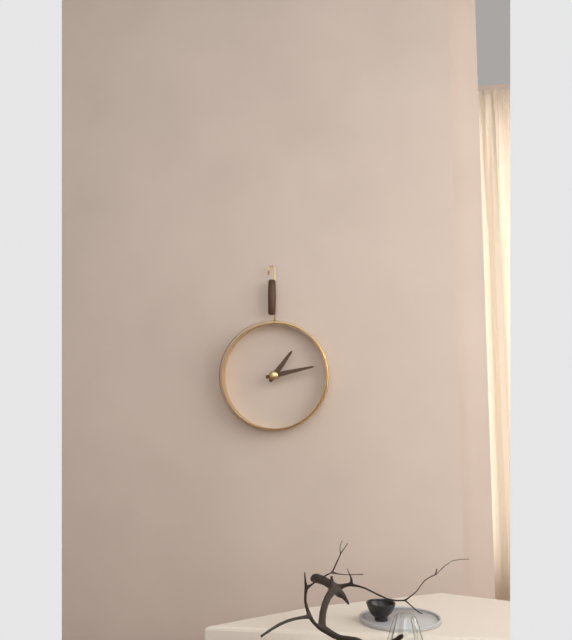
1:13
